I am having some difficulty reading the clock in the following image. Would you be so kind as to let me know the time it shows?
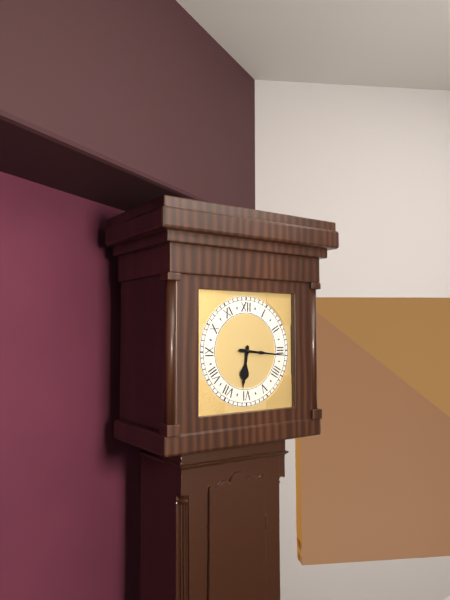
6:16
